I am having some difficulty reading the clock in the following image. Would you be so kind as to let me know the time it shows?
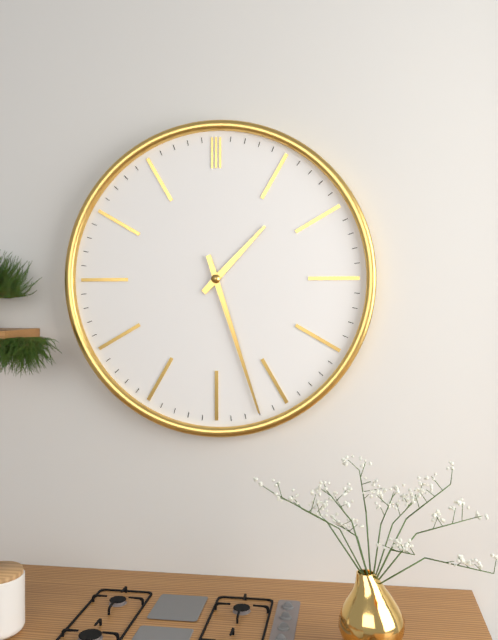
1:27
